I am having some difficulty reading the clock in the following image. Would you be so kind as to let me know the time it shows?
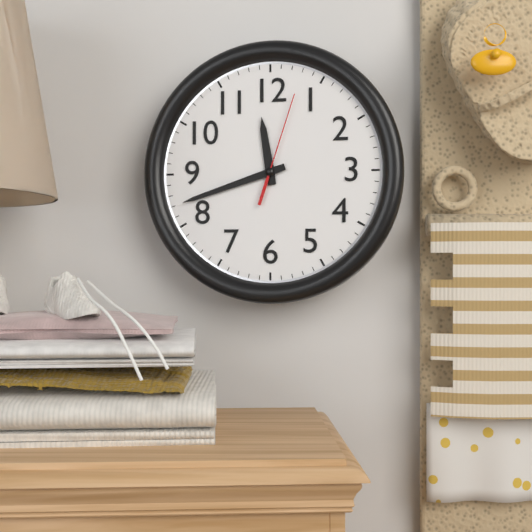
11:42:03
